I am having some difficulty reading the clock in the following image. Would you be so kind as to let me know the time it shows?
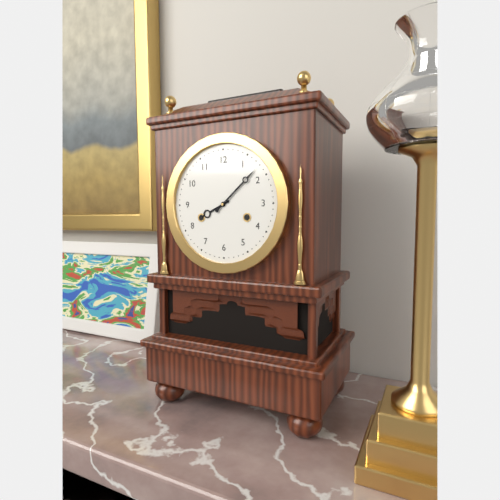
8:08
